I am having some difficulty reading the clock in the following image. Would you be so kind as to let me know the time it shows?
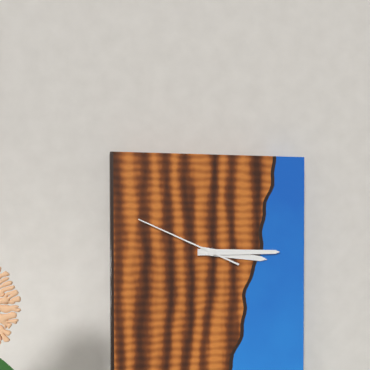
3:15:49
